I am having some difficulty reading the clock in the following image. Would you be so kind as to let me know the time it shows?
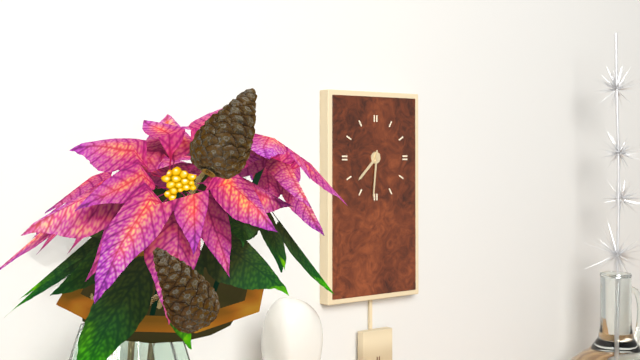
7:31
